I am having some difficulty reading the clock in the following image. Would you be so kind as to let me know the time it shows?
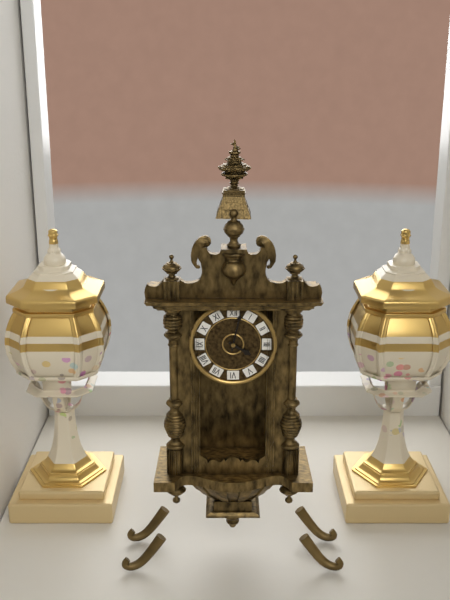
4:02
